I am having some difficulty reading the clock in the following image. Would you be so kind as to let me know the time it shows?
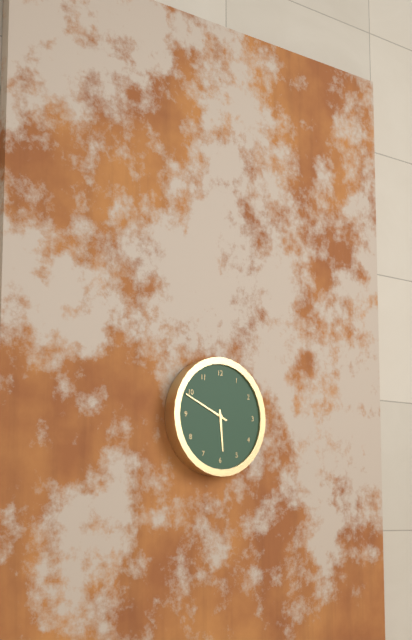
5:49
